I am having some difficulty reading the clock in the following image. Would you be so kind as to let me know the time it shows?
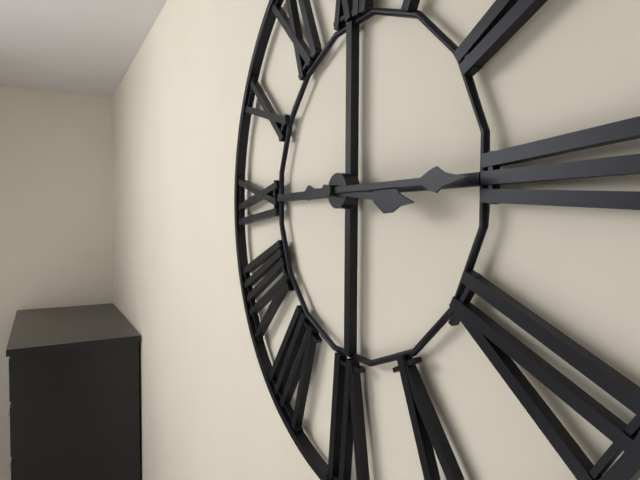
3:15
